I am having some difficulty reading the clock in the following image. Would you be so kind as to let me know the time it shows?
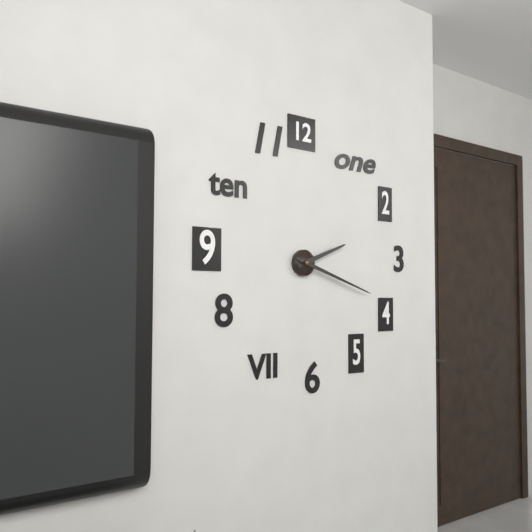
2:18
